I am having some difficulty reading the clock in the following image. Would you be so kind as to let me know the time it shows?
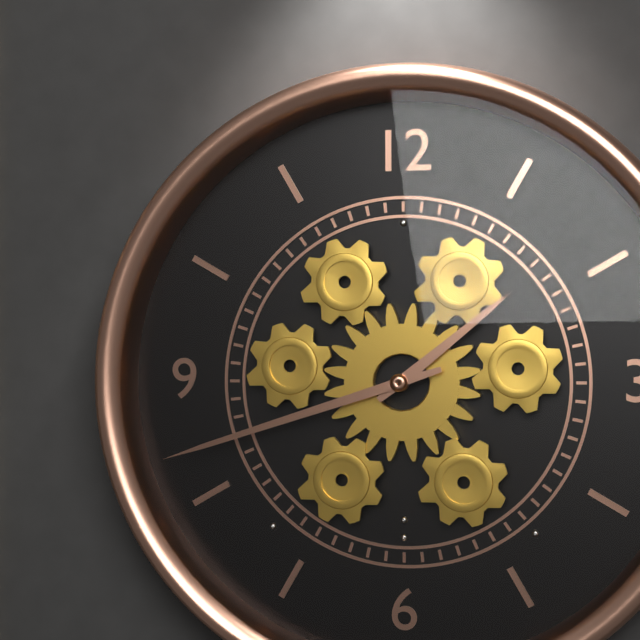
1:42
